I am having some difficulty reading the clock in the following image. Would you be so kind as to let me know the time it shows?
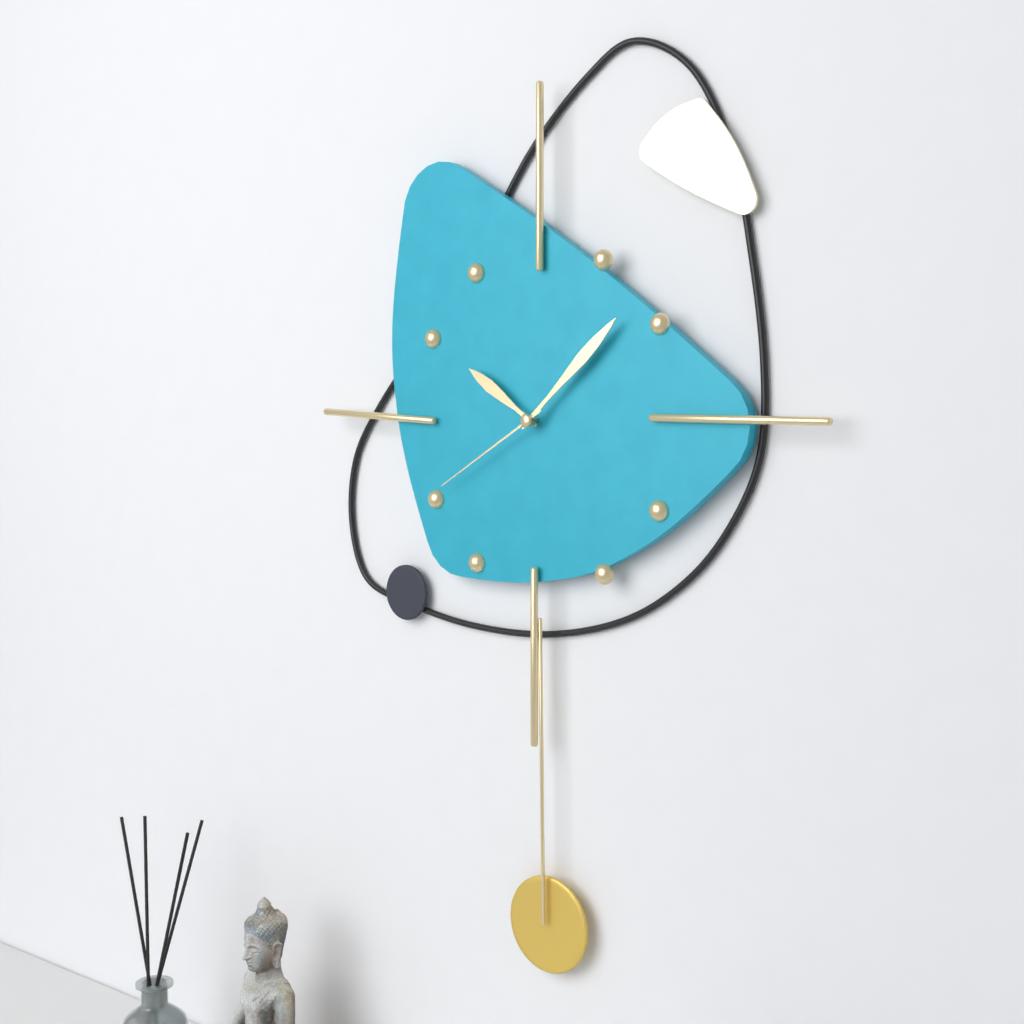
10:08:40
